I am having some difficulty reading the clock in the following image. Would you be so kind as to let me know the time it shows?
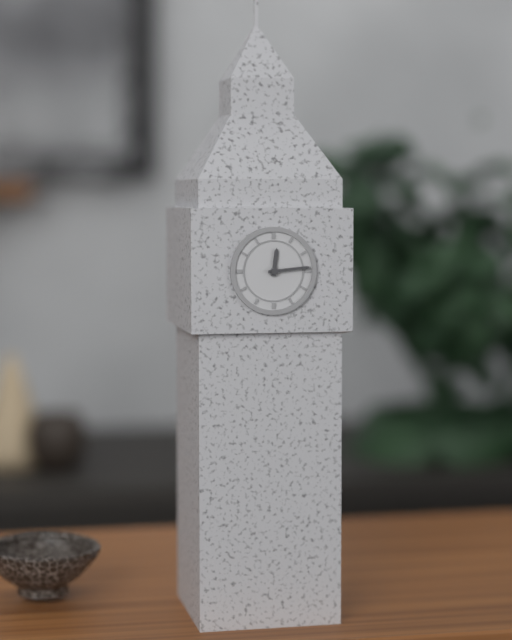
12:14
